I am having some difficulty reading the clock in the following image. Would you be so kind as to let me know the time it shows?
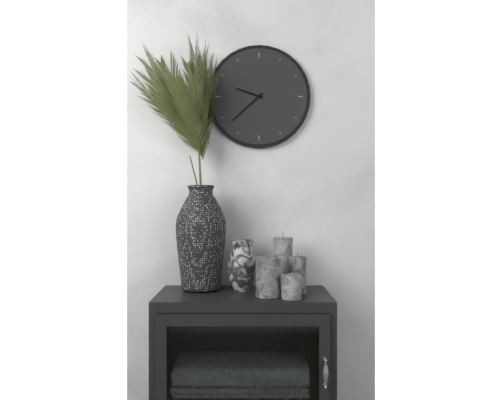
9:38
